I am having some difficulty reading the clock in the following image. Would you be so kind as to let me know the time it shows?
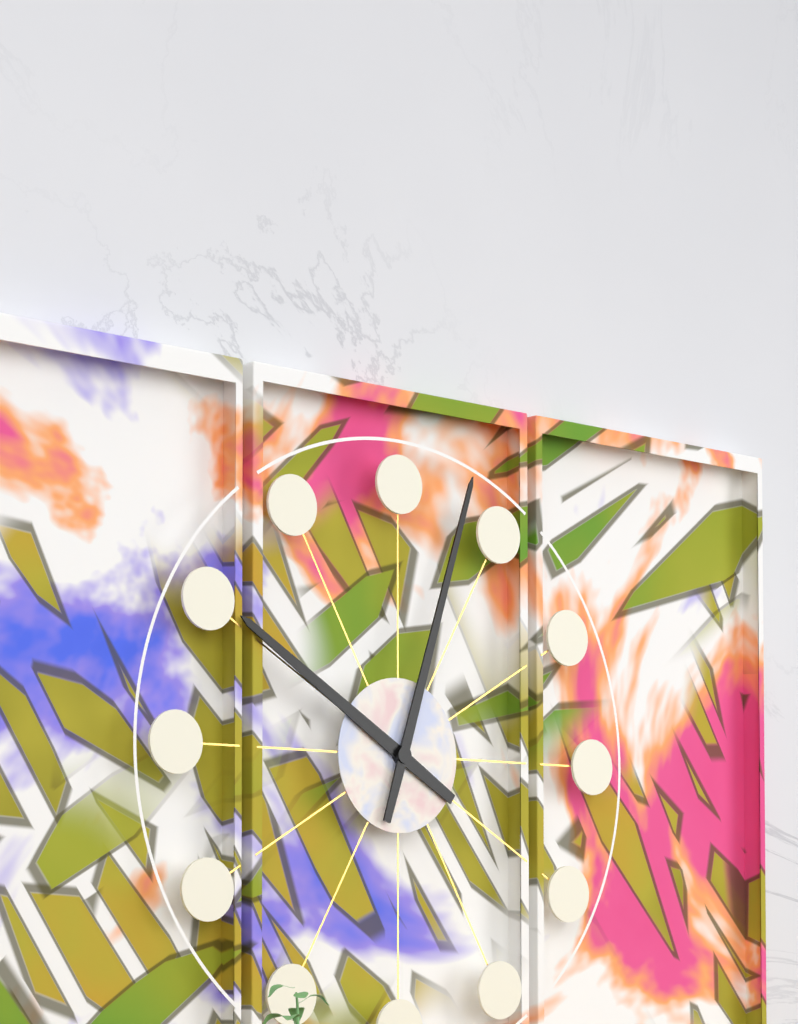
10:03
